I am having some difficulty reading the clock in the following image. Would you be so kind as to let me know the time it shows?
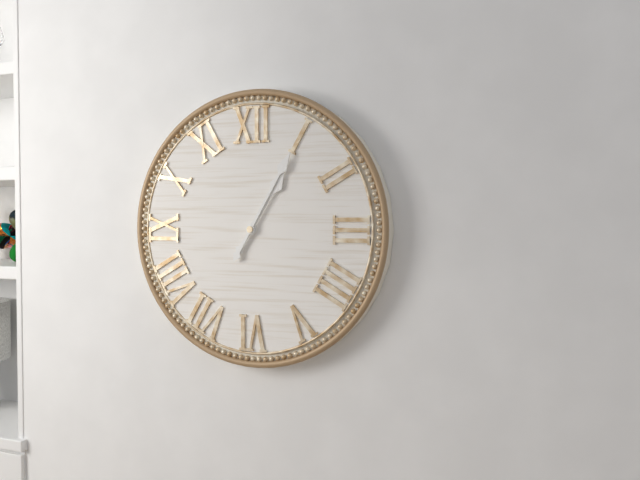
1:05
